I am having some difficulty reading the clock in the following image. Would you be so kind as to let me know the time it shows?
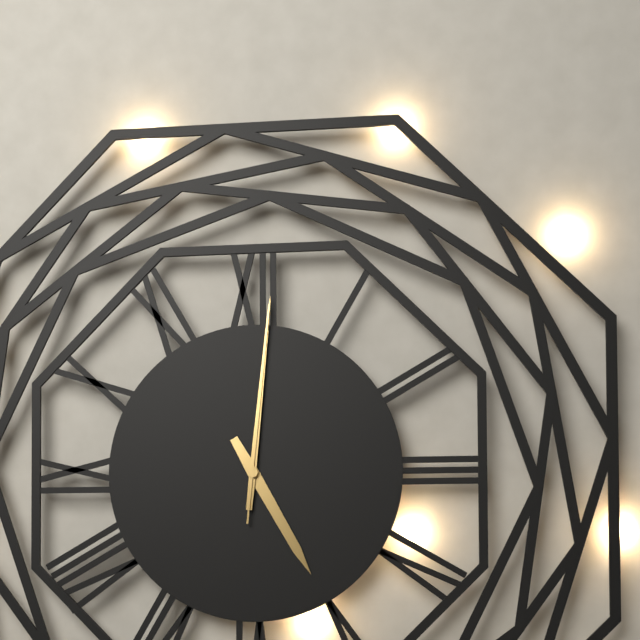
5:01:01
